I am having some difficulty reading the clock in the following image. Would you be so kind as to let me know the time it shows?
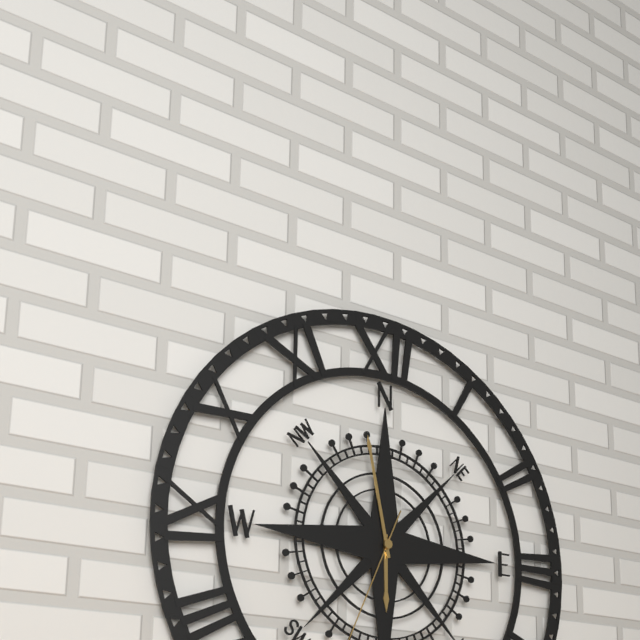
5:58
